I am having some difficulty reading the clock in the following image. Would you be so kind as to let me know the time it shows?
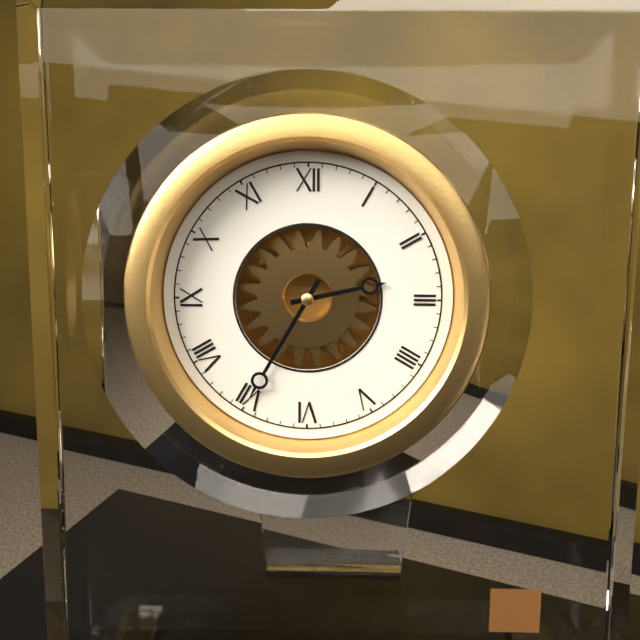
2:35
